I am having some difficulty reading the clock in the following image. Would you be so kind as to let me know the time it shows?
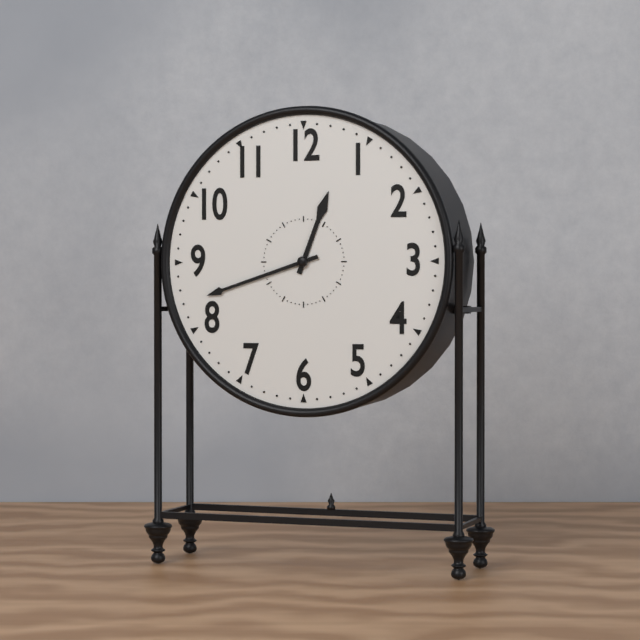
12:42
